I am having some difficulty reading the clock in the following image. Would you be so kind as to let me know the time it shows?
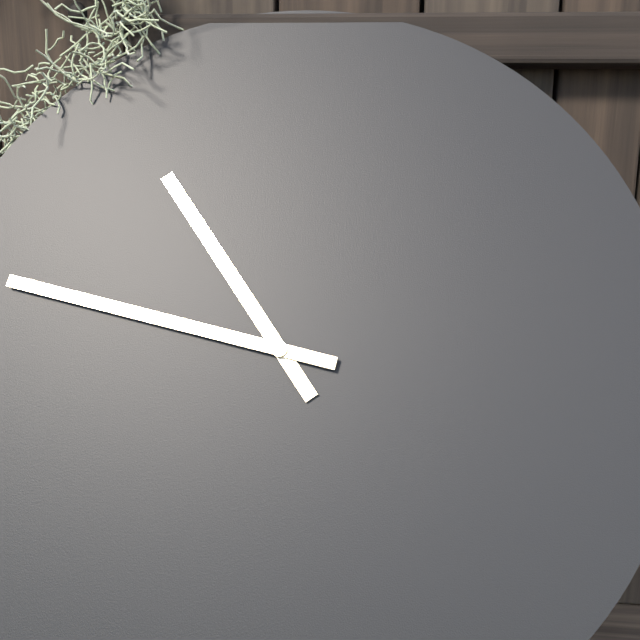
10:47
